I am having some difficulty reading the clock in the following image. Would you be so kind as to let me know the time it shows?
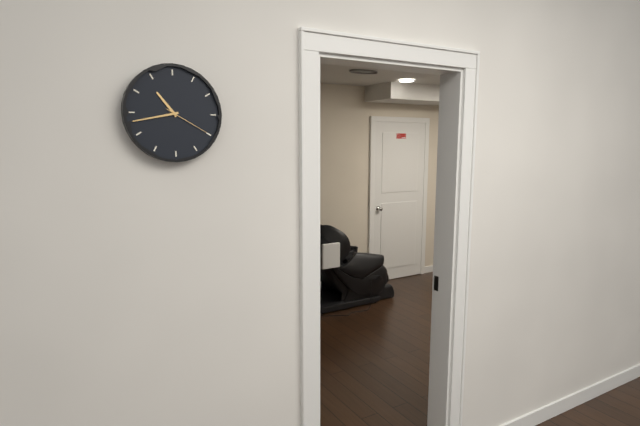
10:43
